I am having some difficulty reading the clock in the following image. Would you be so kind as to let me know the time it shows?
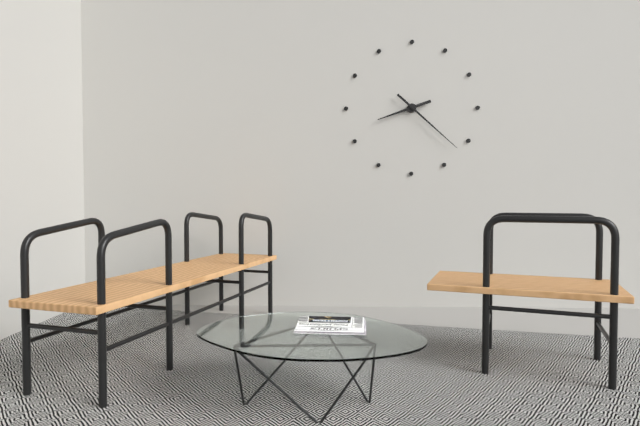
8:22
